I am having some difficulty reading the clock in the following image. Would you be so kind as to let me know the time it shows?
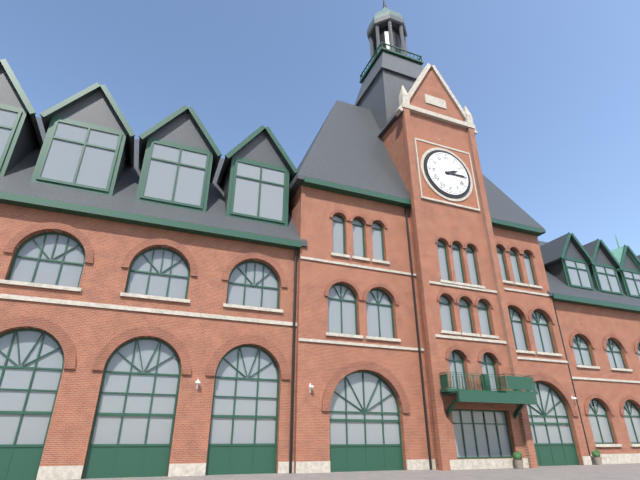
2:15
